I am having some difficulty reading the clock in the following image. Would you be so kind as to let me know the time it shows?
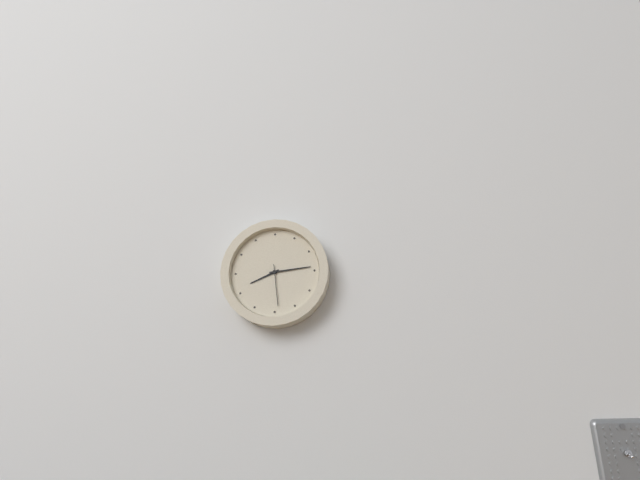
8:14
